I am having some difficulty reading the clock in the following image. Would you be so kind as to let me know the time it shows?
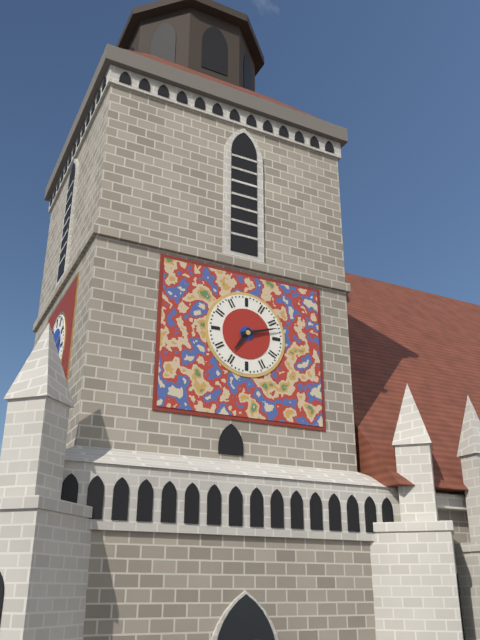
7:12
